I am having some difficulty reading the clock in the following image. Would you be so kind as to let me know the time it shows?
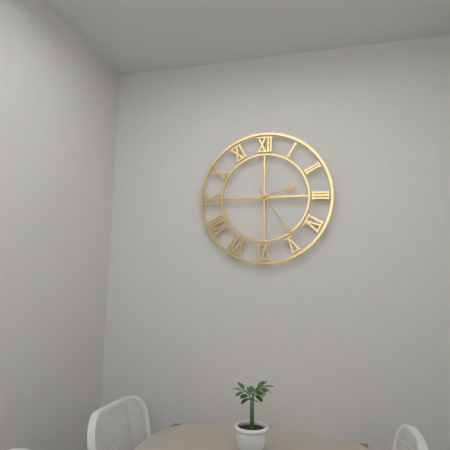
2:24
